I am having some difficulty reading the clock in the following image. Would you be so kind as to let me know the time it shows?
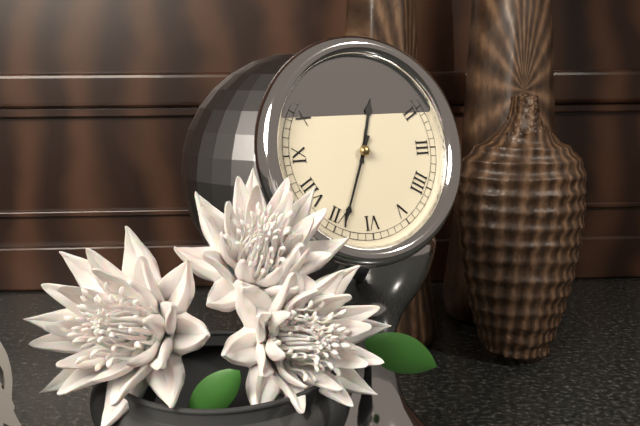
12:34
